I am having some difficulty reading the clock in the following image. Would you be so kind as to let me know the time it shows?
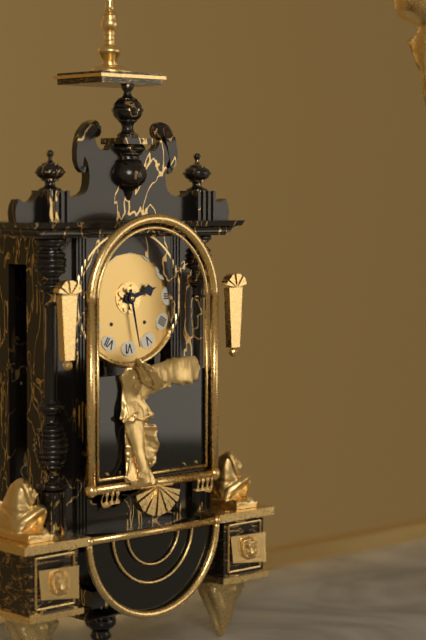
2:28
